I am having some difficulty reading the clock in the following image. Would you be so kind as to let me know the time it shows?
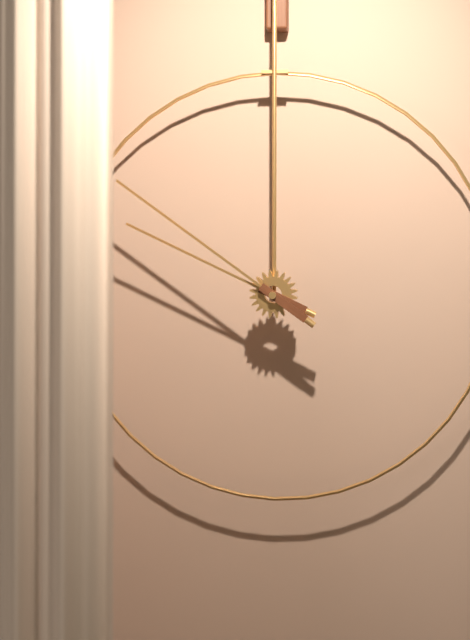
9:51
